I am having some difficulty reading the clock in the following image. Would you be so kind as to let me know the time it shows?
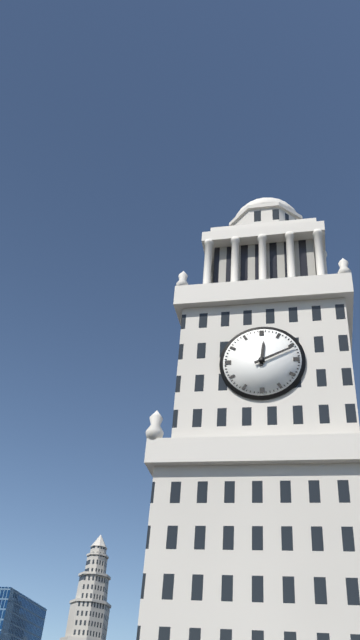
12:11
